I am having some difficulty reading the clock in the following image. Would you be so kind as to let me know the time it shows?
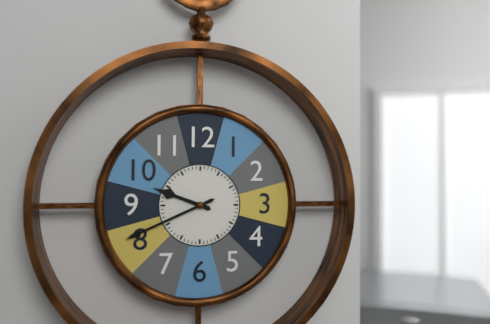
9:41
